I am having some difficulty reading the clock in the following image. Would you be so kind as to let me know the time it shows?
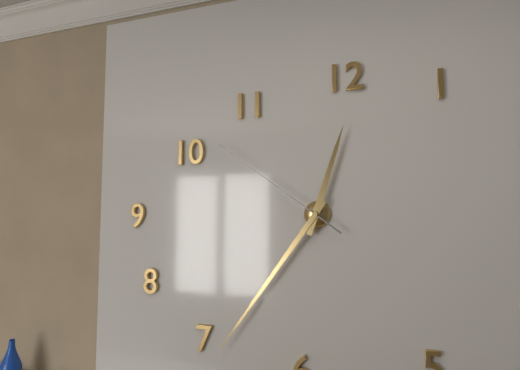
12:36:51
